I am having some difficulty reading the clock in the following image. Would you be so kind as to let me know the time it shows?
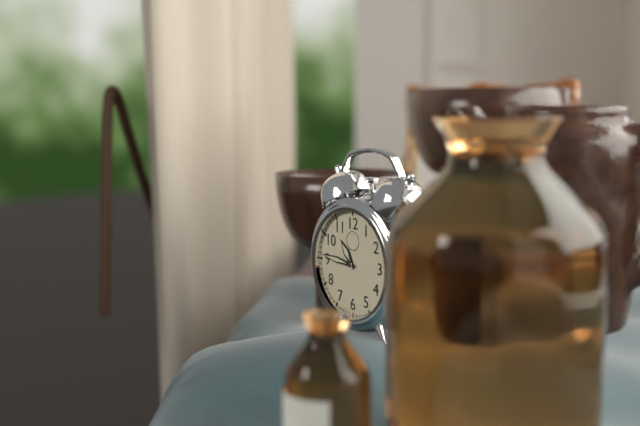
10:46
